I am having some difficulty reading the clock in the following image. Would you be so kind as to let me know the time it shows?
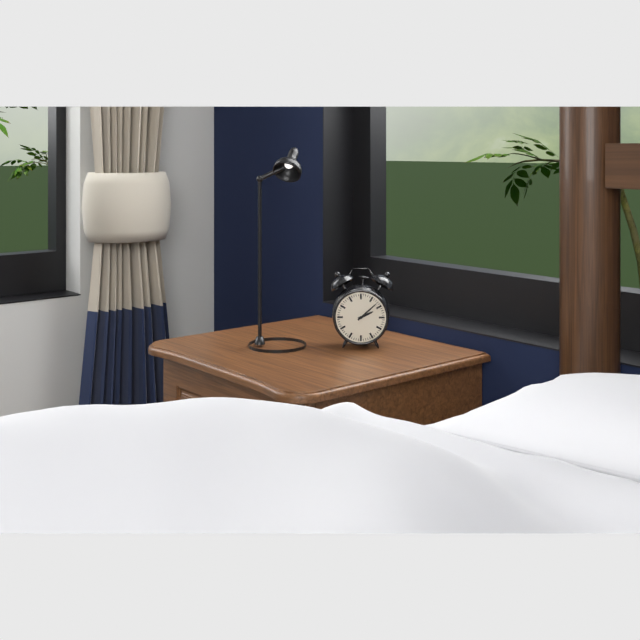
2:08
